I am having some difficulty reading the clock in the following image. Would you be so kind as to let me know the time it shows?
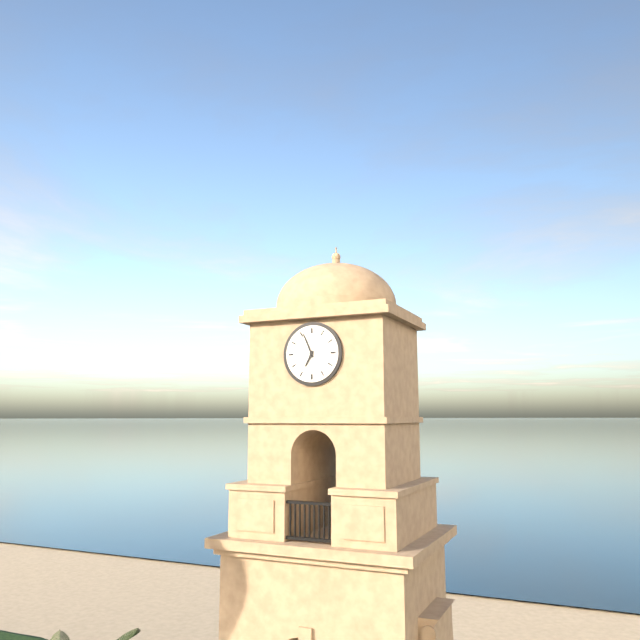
6:56
